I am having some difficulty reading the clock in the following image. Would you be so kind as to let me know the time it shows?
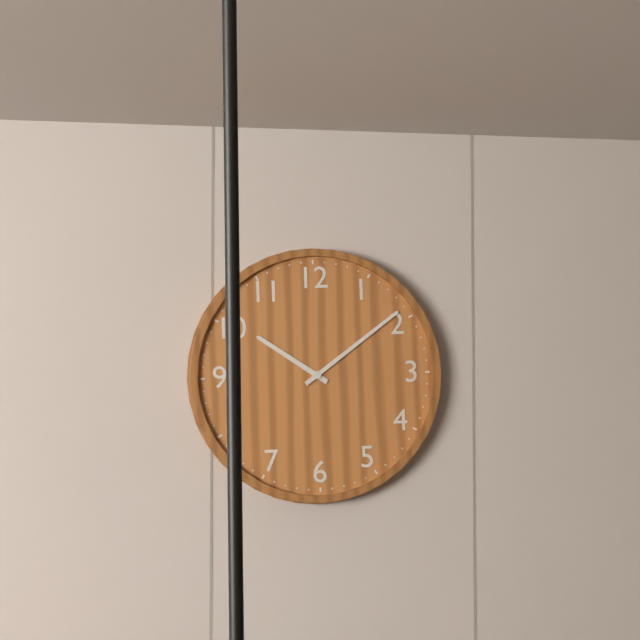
10:09
